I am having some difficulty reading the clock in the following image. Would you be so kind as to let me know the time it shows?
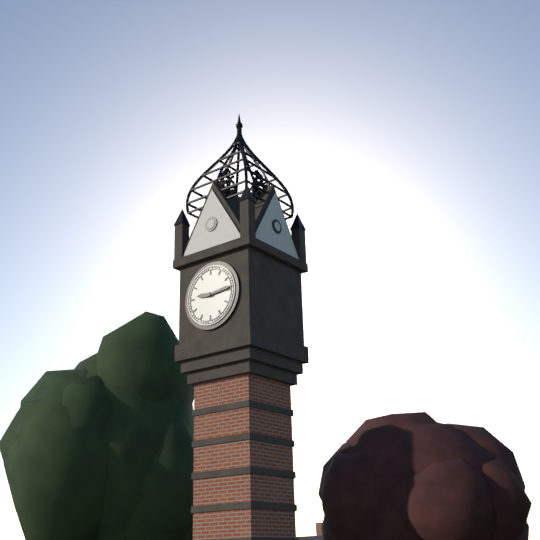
9:14
